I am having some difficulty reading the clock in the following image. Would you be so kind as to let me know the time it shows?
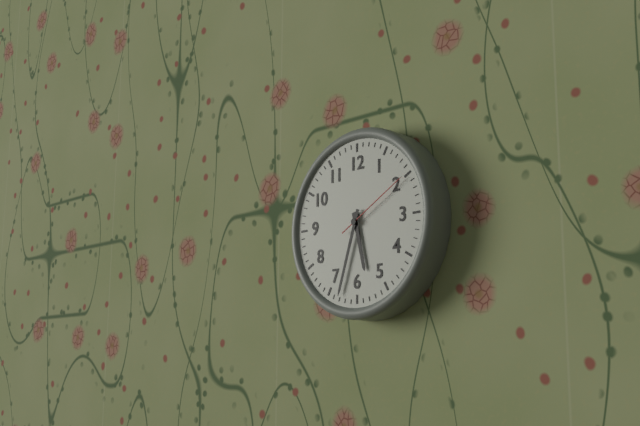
5:33:10
